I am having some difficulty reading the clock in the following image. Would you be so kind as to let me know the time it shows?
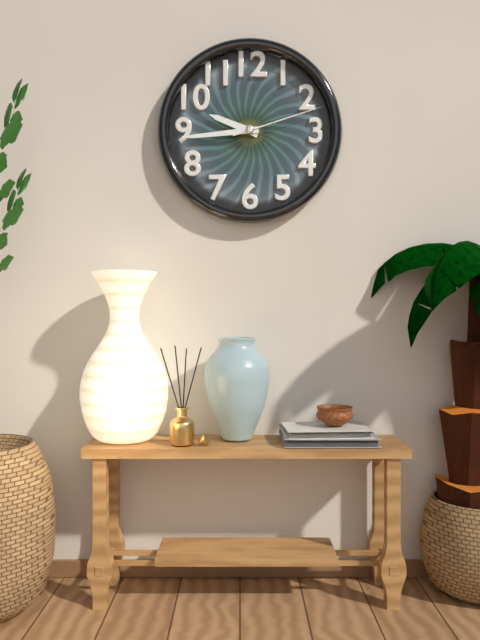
9:44:12
